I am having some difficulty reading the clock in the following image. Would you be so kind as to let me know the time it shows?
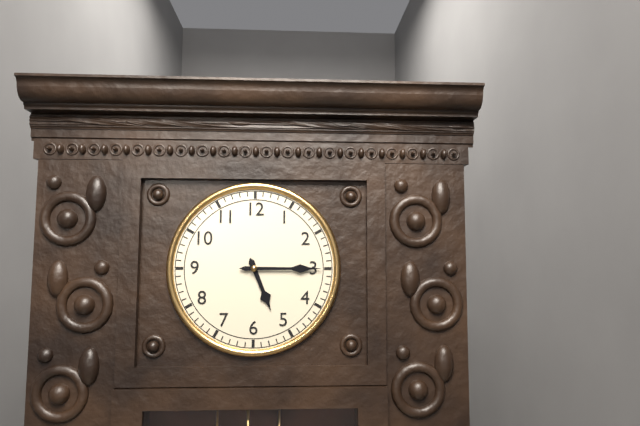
5:15
